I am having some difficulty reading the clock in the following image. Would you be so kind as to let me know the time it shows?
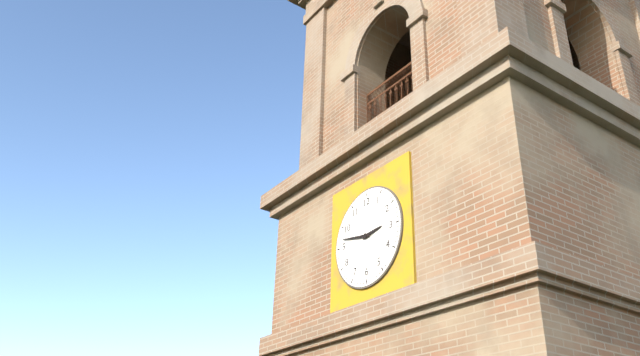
2:47
